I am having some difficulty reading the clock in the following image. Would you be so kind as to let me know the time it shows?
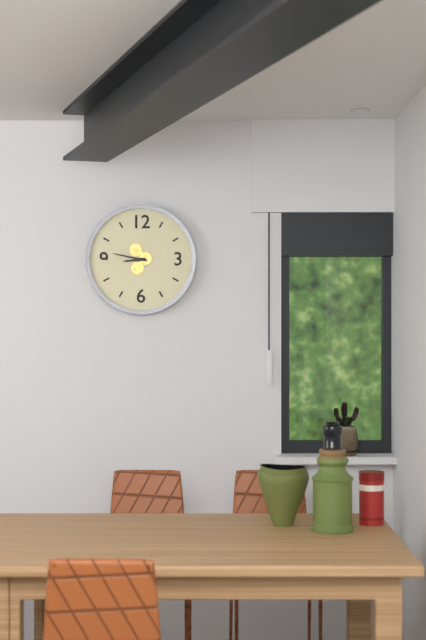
8:47
